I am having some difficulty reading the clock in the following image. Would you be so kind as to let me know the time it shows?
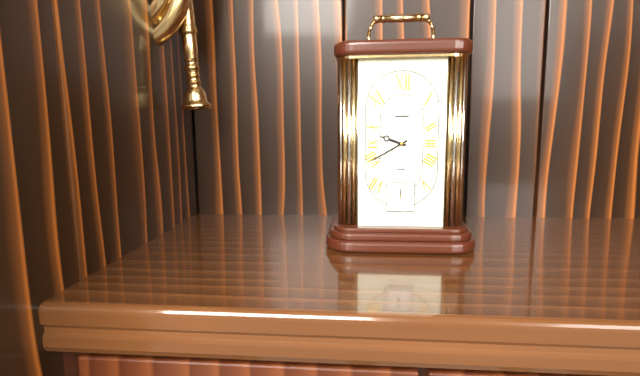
9:40
